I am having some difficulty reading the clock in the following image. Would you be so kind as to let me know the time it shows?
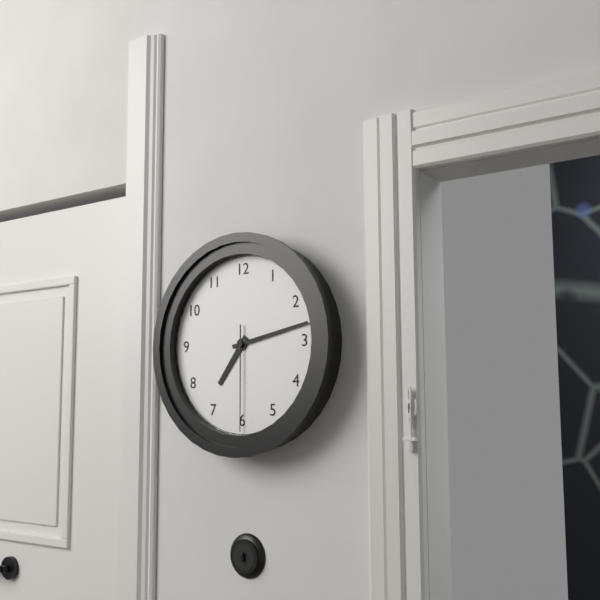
7:13:30
